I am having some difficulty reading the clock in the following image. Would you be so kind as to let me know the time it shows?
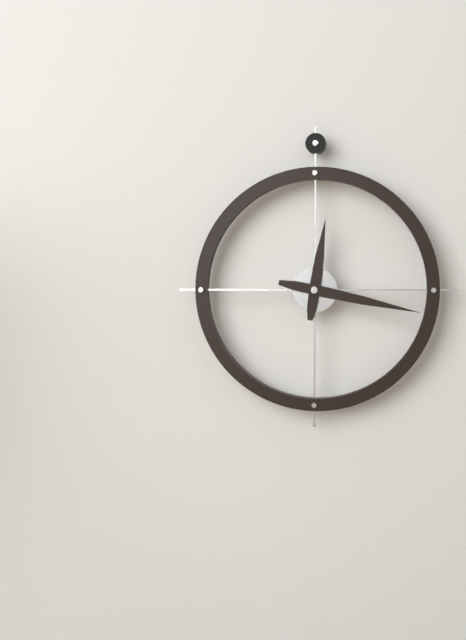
12:17
